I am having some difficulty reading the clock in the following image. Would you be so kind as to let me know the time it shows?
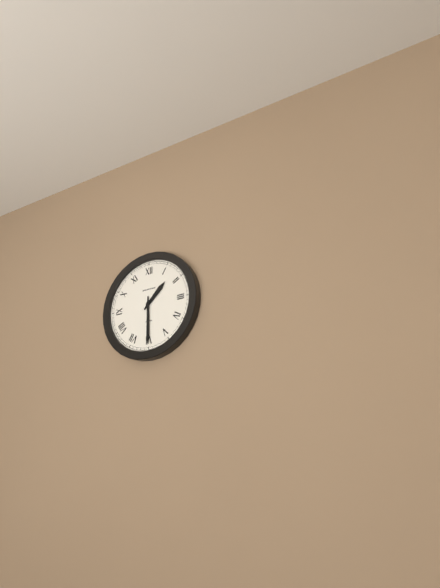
1:30
